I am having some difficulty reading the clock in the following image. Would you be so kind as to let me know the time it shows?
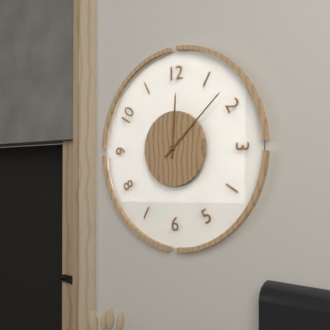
12:08
